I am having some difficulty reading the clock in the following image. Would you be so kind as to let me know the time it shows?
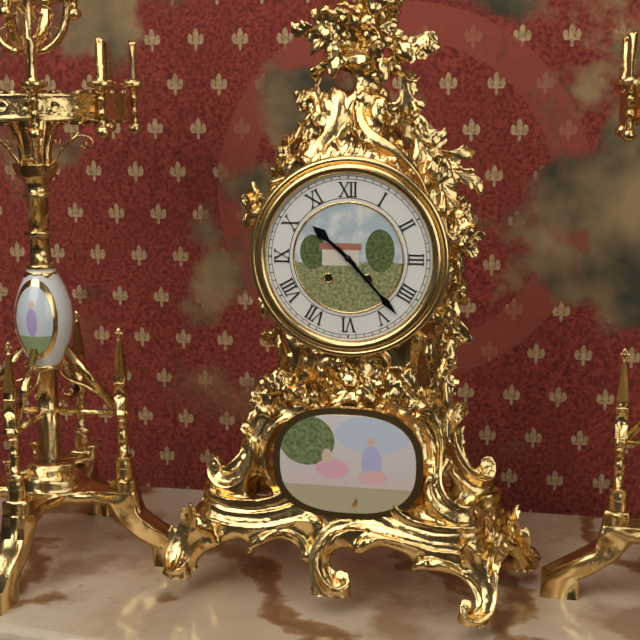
10:23
